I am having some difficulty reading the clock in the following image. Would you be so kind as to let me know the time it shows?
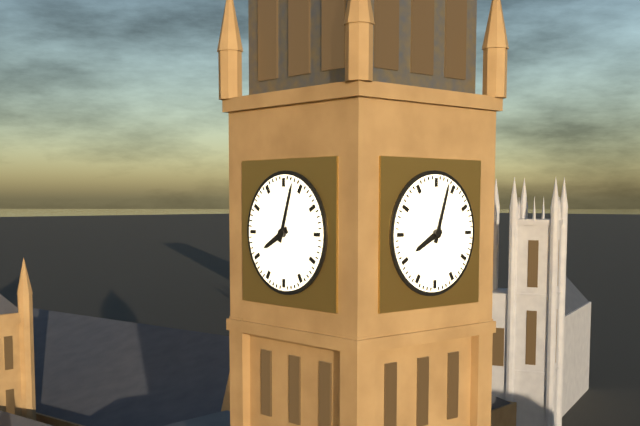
8:03
